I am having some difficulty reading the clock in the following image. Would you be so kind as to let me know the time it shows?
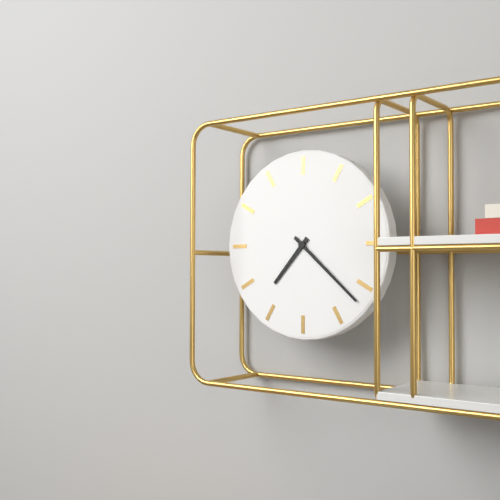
7:22
